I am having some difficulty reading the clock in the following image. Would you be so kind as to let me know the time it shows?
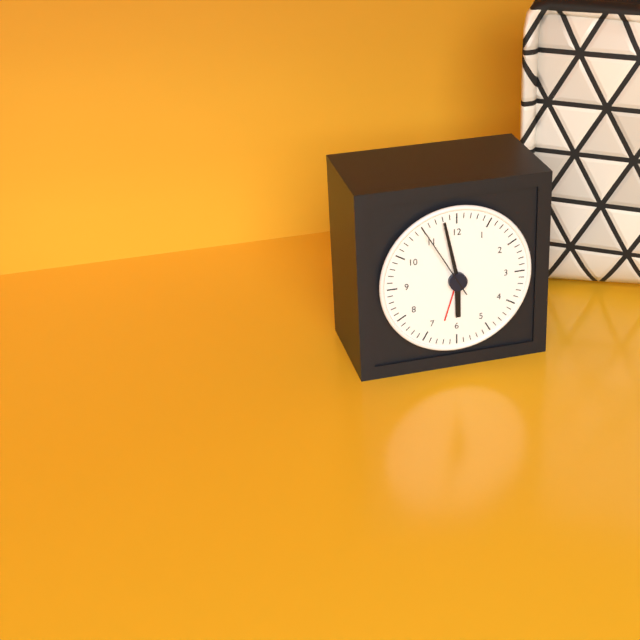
5:58:55
